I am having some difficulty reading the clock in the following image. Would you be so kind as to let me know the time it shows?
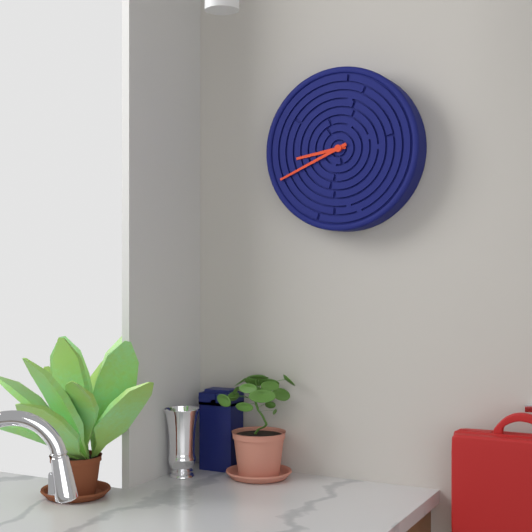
8:41
